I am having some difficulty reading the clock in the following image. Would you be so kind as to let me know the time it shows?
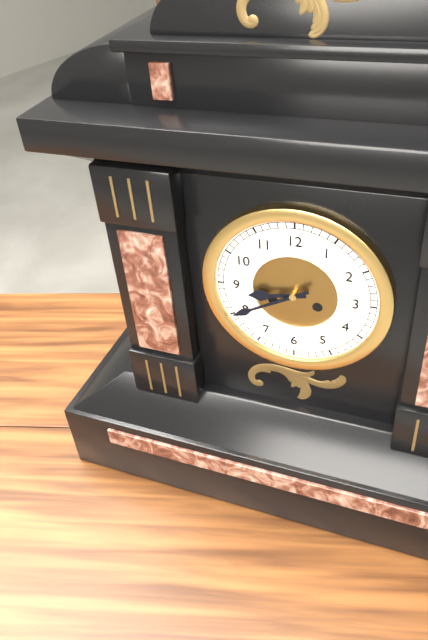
8:40
